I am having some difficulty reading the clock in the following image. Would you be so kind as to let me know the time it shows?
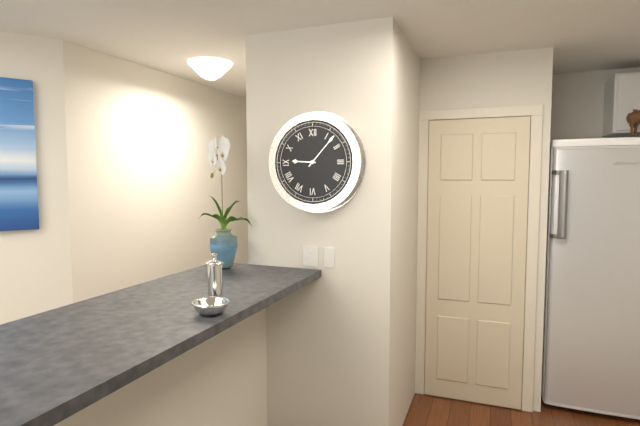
9:07
